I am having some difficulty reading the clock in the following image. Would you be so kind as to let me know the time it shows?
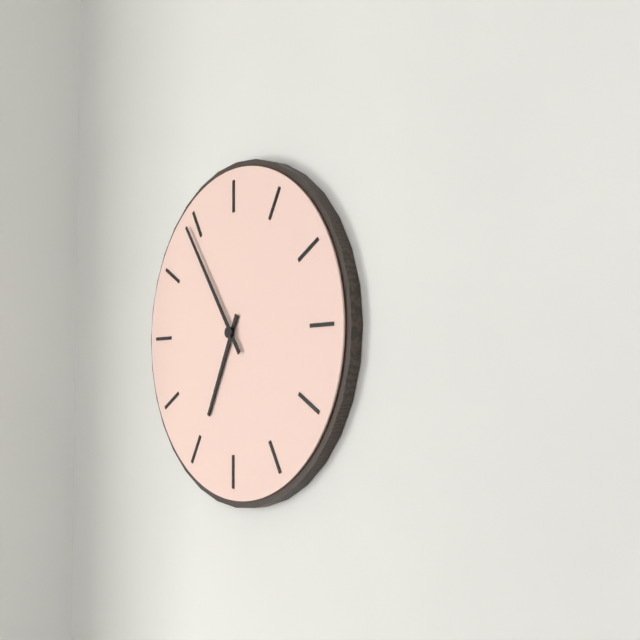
6:54
